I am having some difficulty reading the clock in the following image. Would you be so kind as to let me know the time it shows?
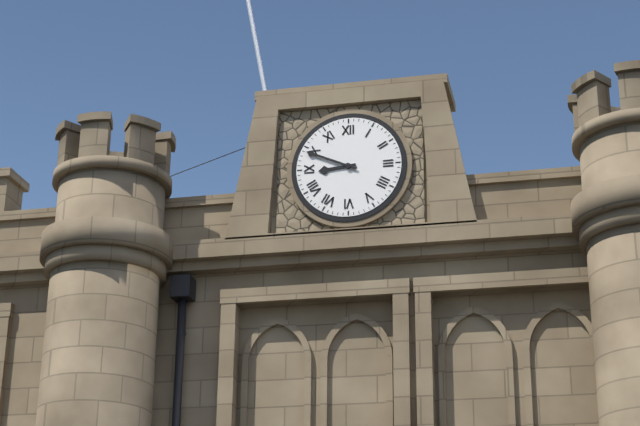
8:49
